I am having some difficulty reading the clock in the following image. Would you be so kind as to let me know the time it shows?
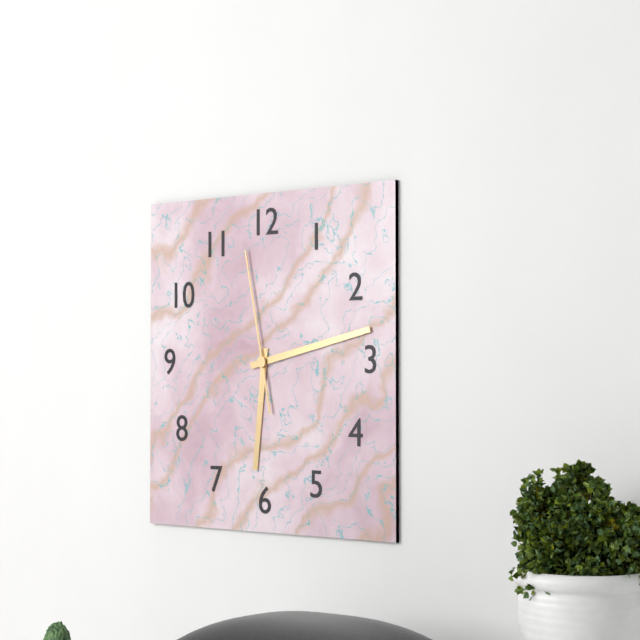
6:13:58
